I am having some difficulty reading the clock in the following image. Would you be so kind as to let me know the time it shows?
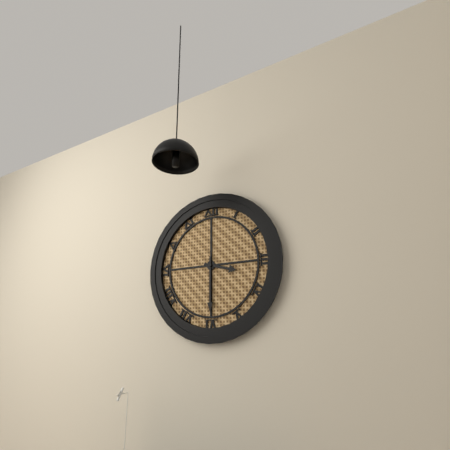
3:30
